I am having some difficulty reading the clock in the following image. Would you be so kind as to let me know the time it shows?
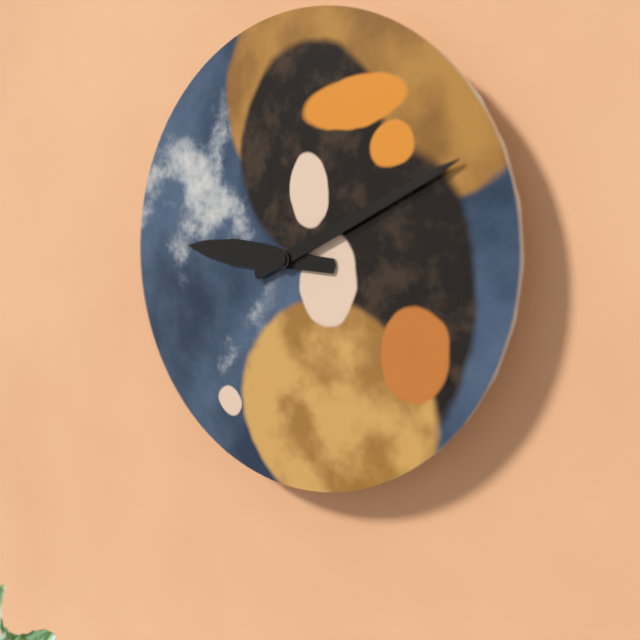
9:11
